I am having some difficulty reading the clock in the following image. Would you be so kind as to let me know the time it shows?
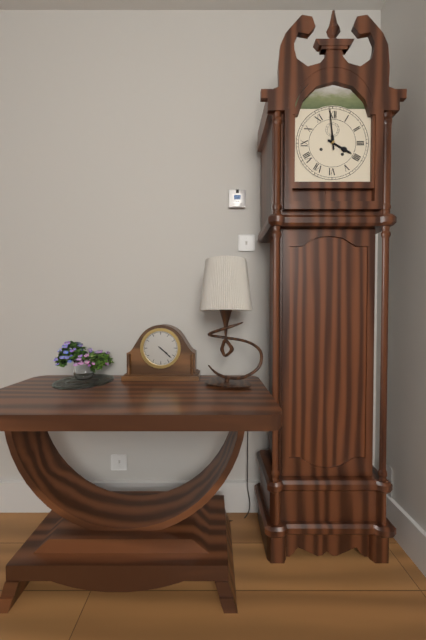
3:59
